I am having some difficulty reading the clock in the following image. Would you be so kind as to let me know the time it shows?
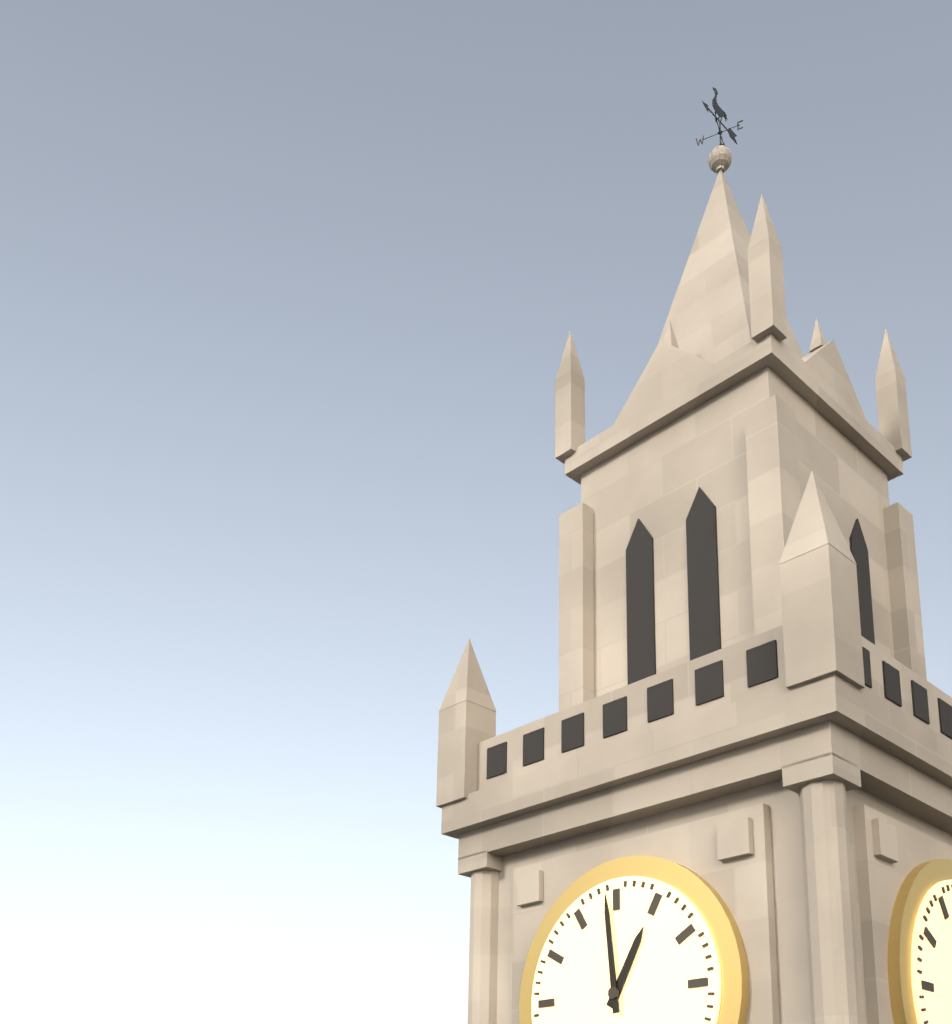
12:59
